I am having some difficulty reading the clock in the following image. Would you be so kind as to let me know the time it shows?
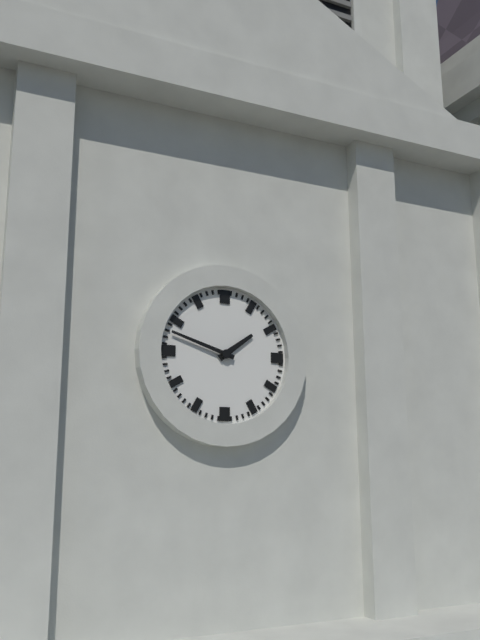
1:48
